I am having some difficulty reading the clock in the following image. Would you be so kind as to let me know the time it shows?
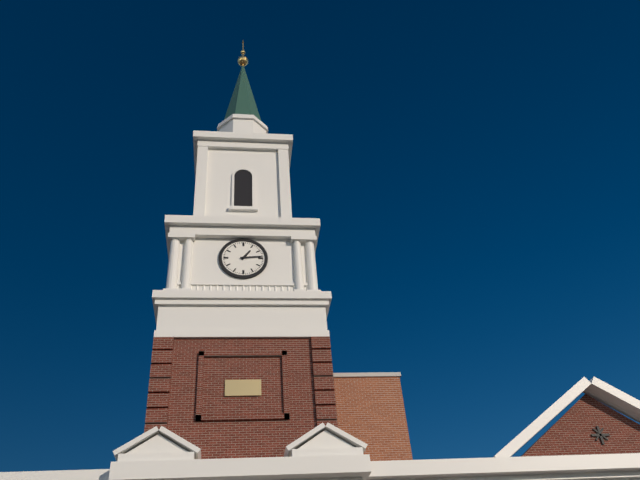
1:14
